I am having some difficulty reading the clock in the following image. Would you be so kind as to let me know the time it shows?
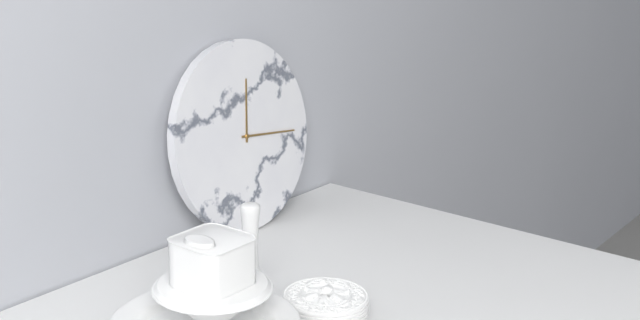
12:16
